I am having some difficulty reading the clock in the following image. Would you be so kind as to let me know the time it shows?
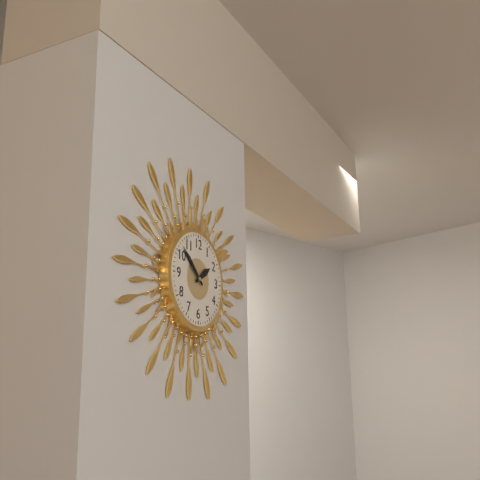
1:52
